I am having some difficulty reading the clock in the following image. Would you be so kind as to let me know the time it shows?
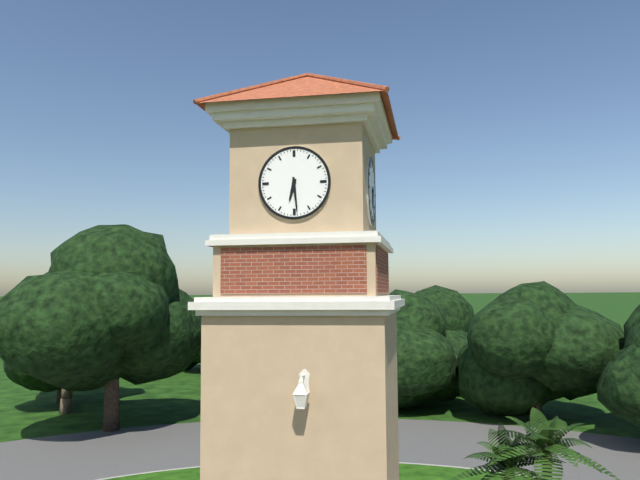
6:29
